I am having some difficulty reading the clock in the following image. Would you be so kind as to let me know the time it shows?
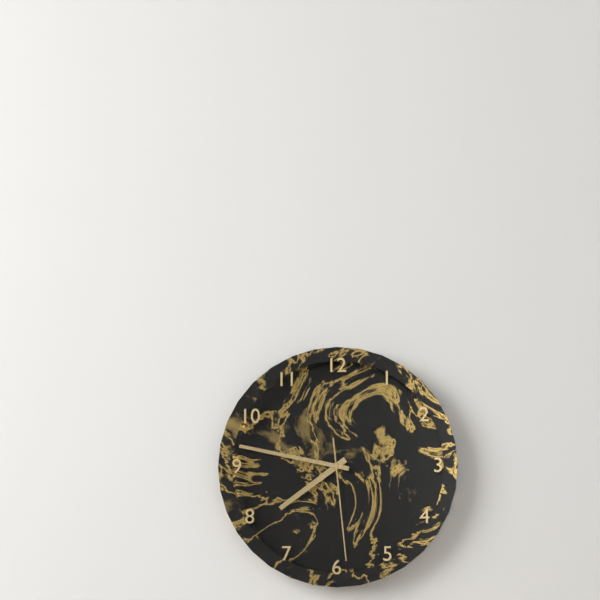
7:47:29
